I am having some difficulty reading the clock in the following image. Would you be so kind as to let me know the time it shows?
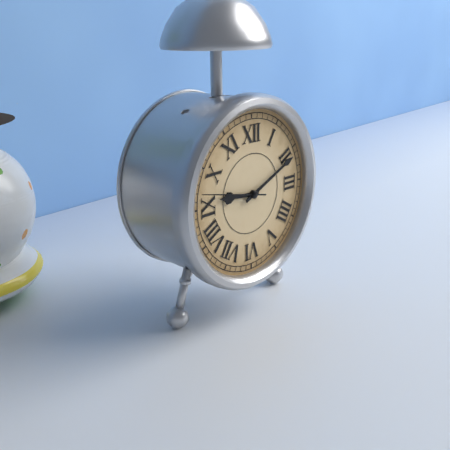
9:11:47
